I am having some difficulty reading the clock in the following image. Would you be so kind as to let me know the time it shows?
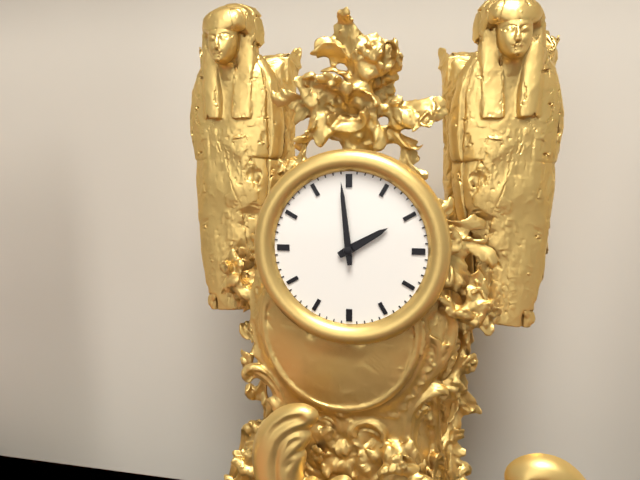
1:59
